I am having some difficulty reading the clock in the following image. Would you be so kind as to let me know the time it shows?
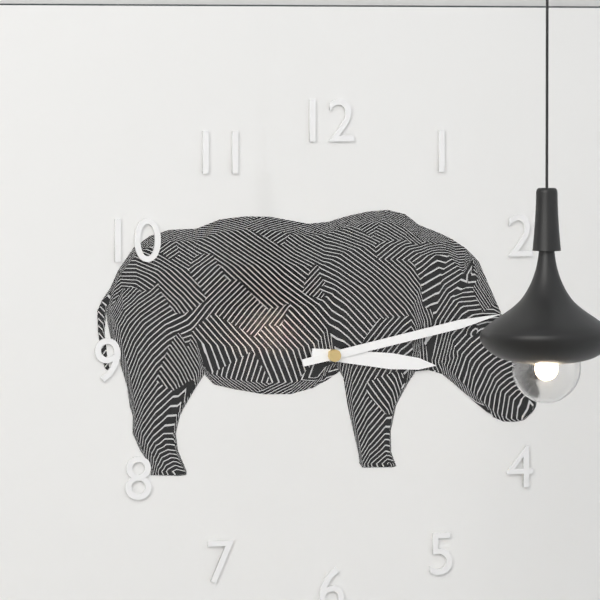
3:13
